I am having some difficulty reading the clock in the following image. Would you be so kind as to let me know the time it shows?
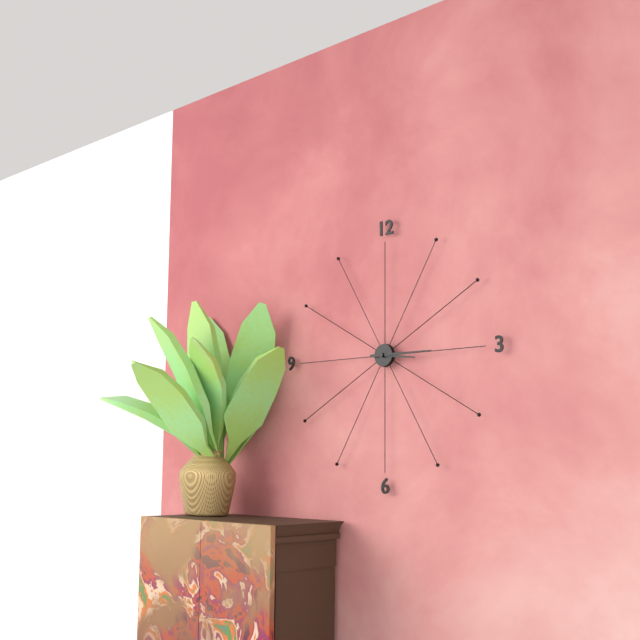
3:15
